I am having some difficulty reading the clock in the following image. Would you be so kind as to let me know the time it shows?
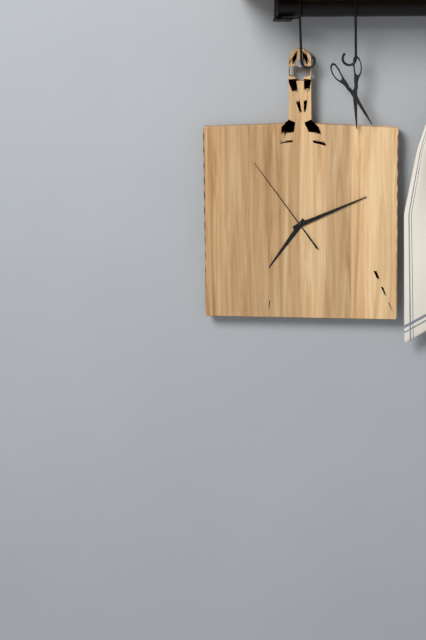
7:11:54
